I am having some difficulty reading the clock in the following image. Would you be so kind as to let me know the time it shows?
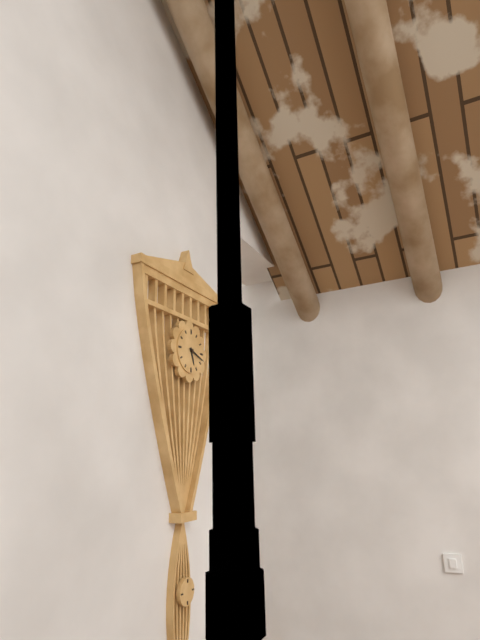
5:18
